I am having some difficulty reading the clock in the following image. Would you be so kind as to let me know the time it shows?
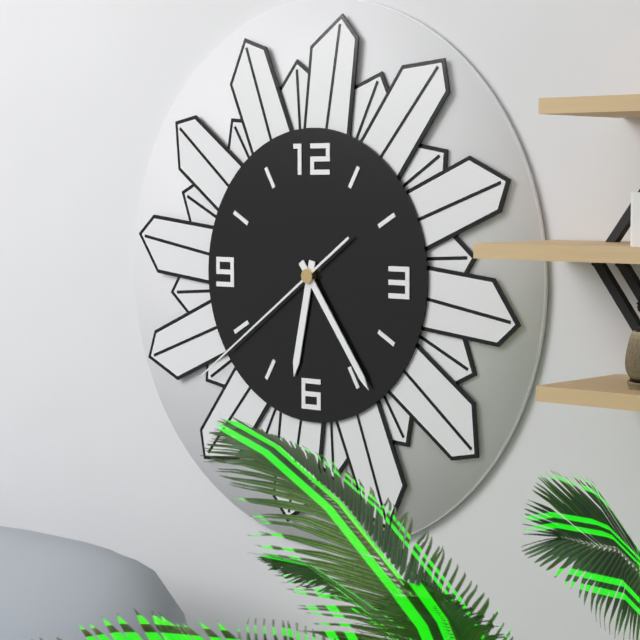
6:24:39
